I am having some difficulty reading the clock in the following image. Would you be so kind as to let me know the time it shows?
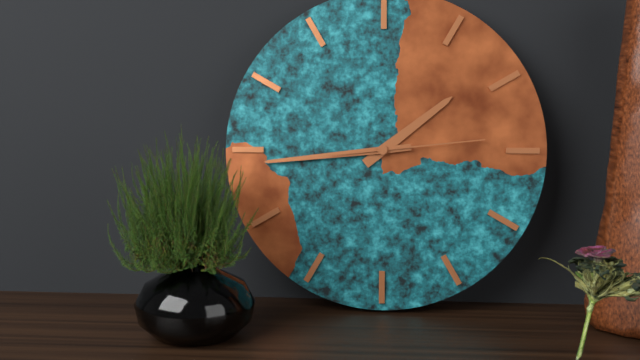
1:44:14
